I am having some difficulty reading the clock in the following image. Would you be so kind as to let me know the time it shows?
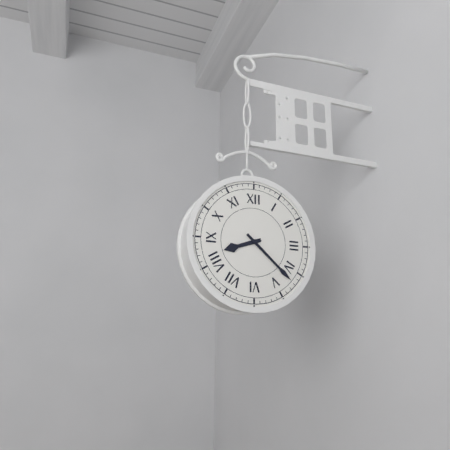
8:22
